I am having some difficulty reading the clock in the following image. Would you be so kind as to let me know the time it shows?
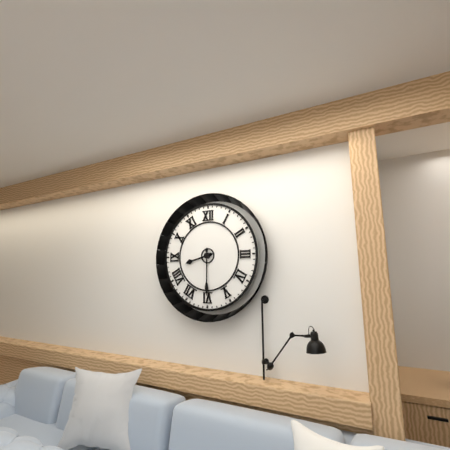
8:30
